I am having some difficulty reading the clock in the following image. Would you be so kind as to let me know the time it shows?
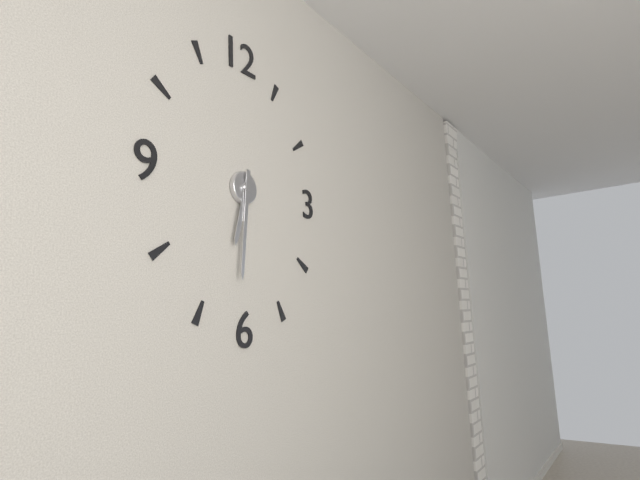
6:31
